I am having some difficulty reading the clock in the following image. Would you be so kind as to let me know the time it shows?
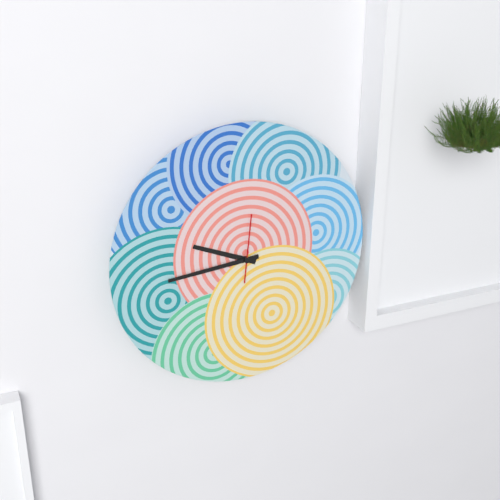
9:44:01
